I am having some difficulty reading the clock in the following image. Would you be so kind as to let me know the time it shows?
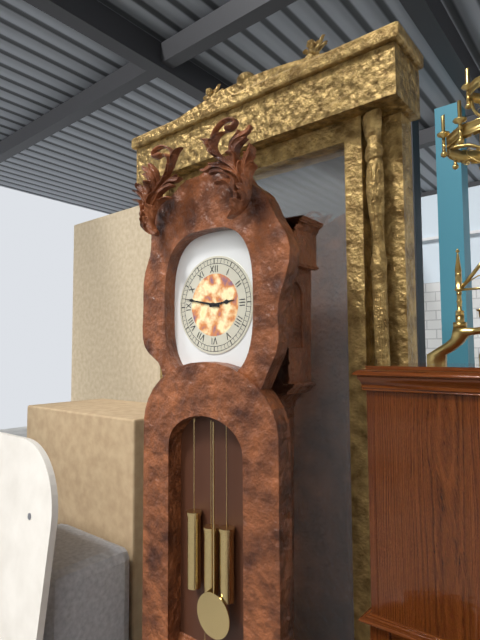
2:47
